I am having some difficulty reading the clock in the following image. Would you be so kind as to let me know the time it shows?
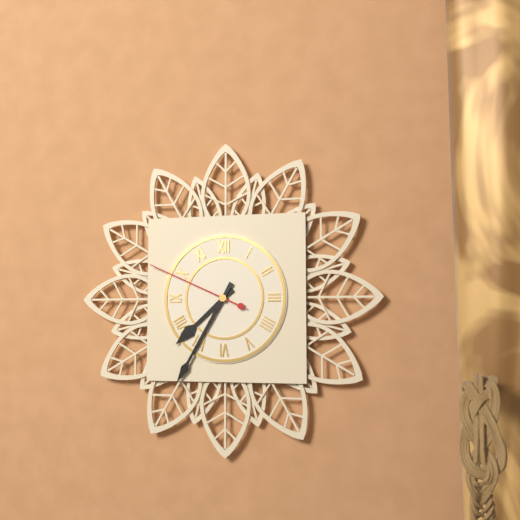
7:35:49
